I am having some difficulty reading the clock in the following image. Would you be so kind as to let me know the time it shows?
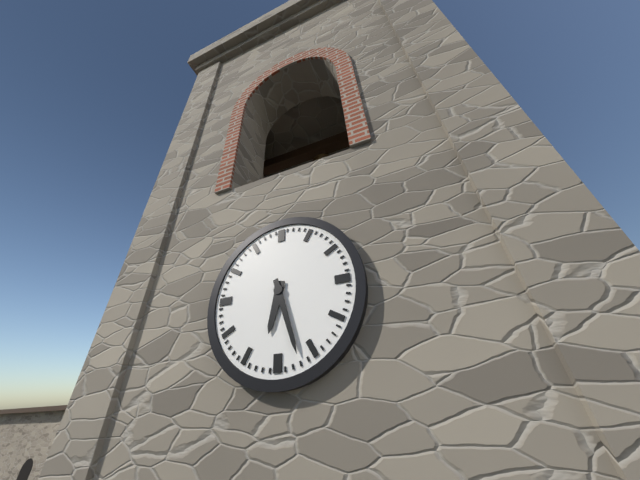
6:27
